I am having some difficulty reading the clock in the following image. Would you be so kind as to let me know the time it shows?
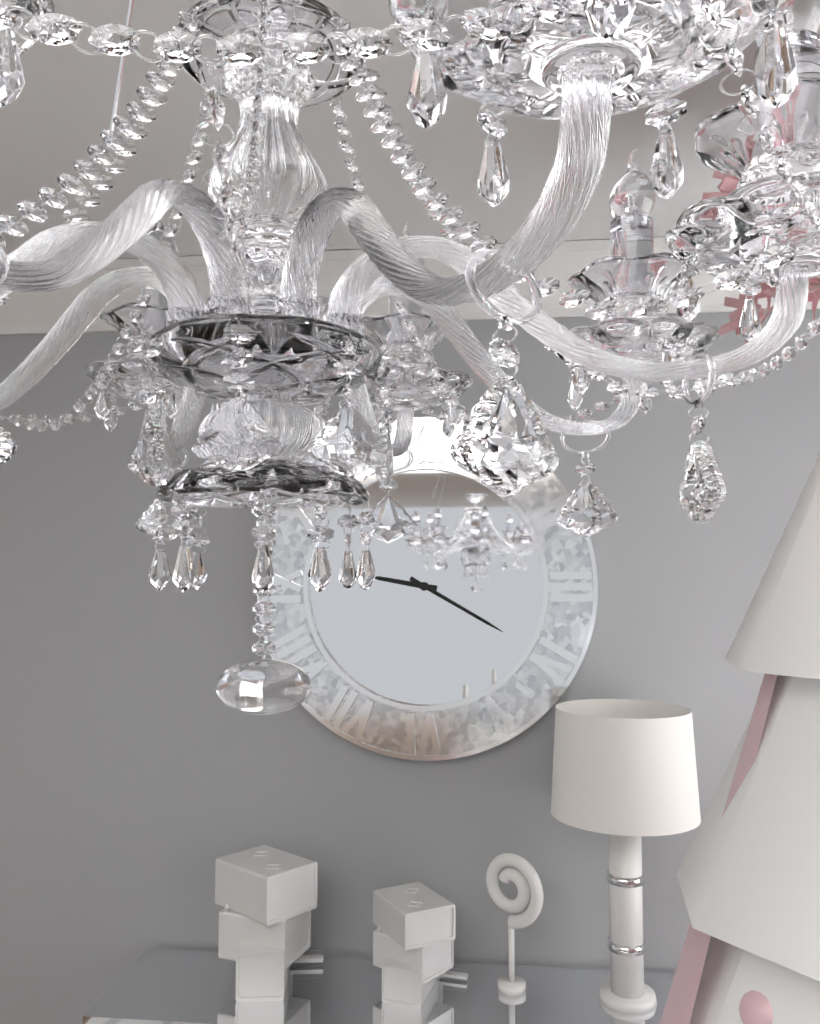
9:20
